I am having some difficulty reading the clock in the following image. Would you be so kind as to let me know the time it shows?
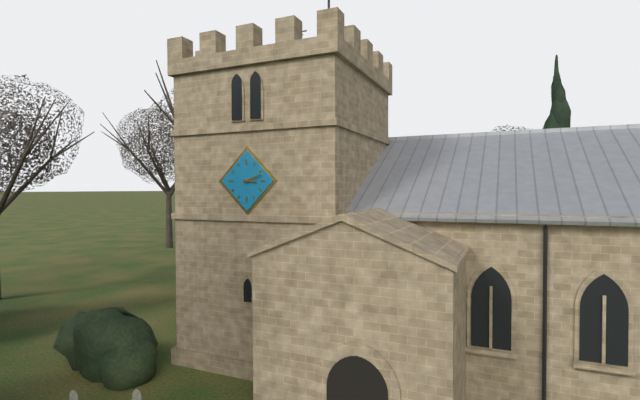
3:12
